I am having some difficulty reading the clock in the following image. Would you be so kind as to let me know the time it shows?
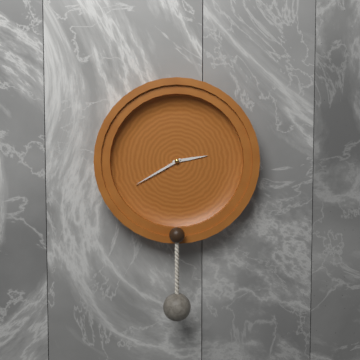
2:40
